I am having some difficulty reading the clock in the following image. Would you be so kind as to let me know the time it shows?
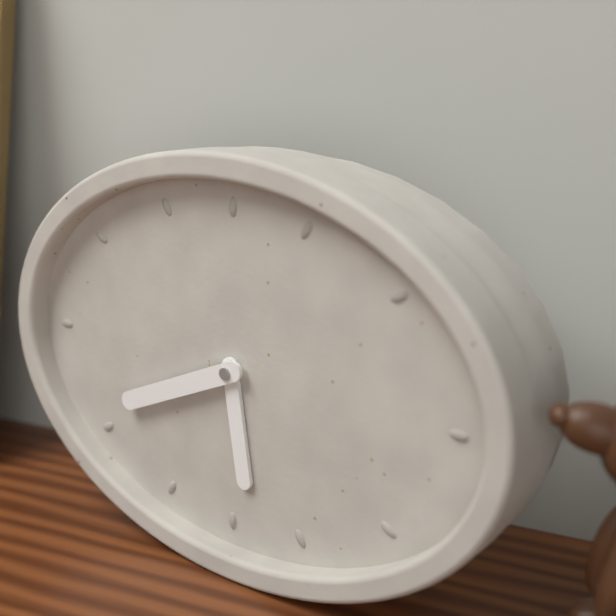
5:41
